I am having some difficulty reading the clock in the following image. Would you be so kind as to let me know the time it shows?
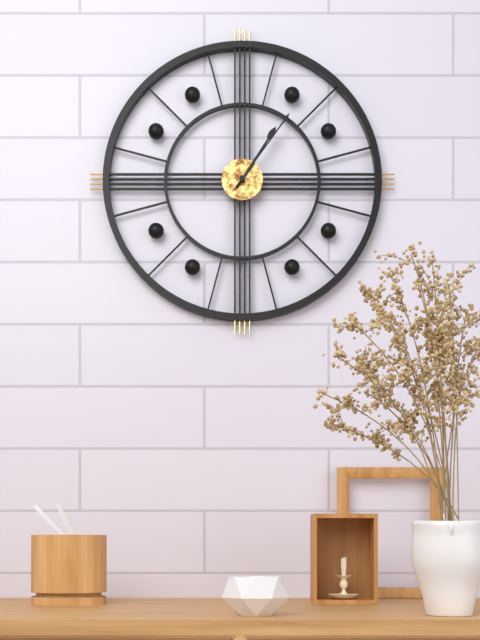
1:06
